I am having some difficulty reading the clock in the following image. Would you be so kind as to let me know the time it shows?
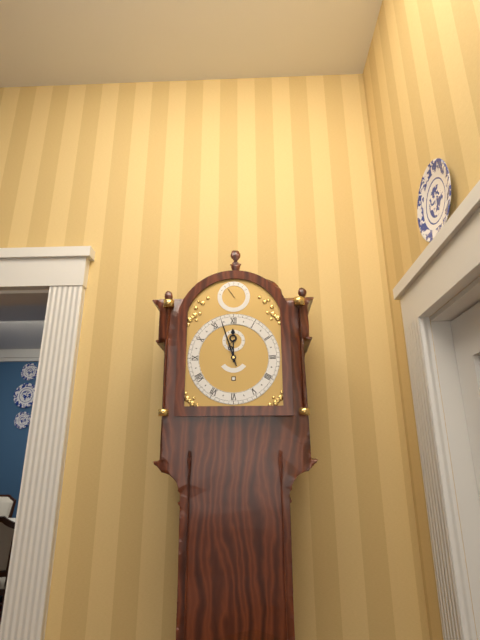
11:57
